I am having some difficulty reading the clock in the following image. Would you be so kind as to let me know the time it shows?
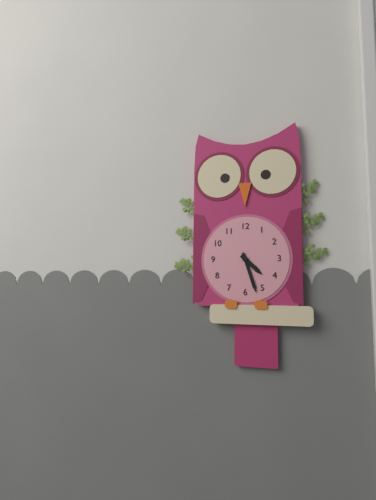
4:27
